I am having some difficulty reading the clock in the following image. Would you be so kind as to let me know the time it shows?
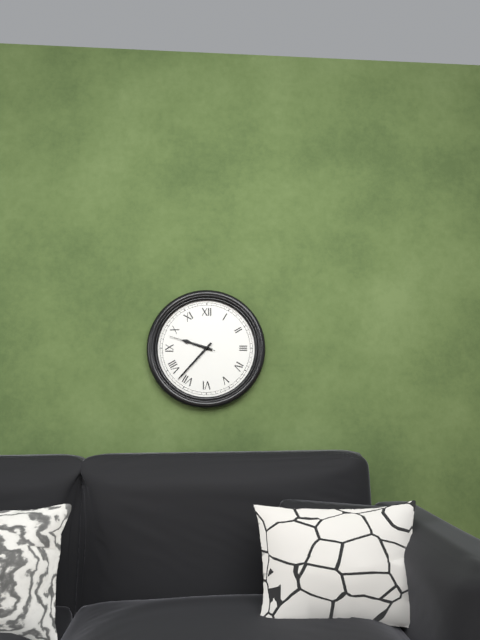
9:37
